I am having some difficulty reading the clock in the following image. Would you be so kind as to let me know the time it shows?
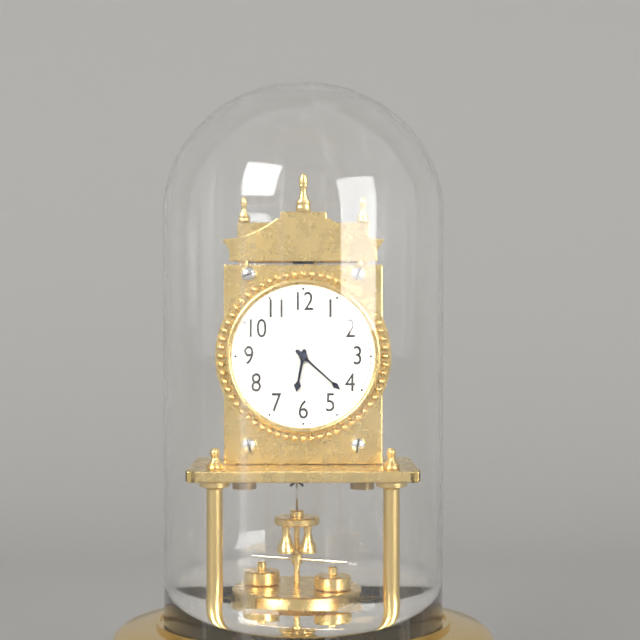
6:22
